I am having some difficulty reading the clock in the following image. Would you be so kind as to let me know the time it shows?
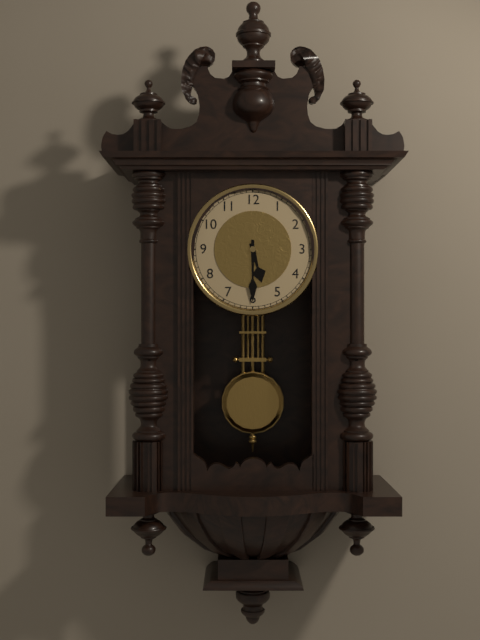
5:30
